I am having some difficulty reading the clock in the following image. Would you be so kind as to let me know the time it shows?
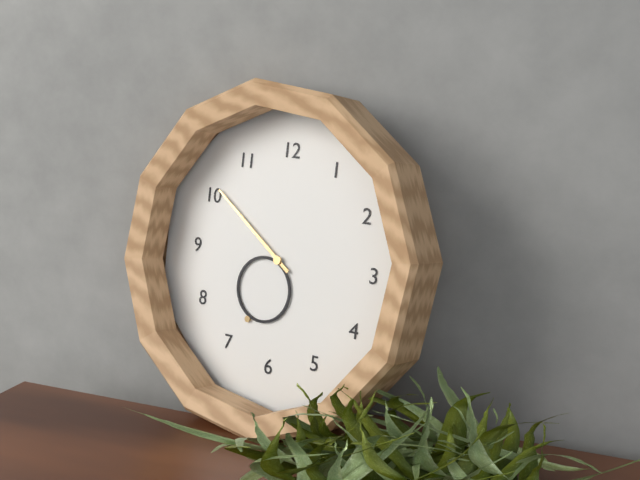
6:51
